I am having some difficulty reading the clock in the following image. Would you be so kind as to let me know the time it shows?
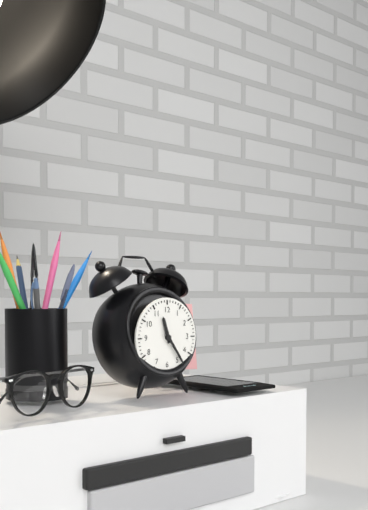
11:24
